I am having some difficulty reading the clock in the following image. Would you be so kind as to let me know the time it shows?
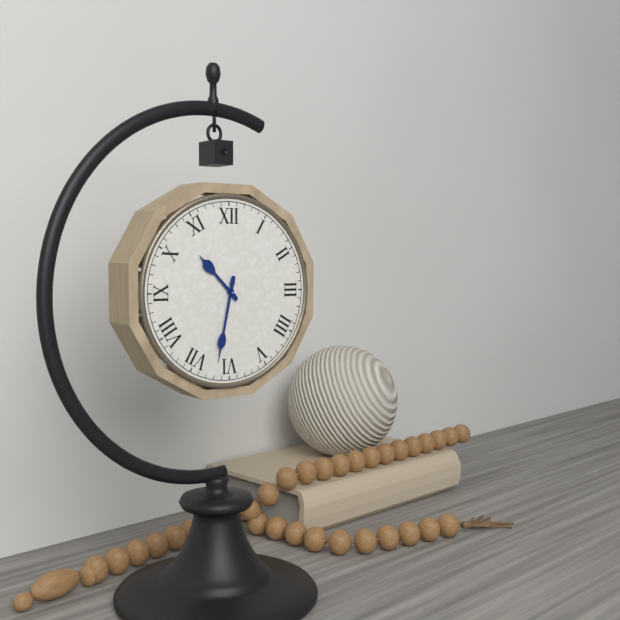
10:32
